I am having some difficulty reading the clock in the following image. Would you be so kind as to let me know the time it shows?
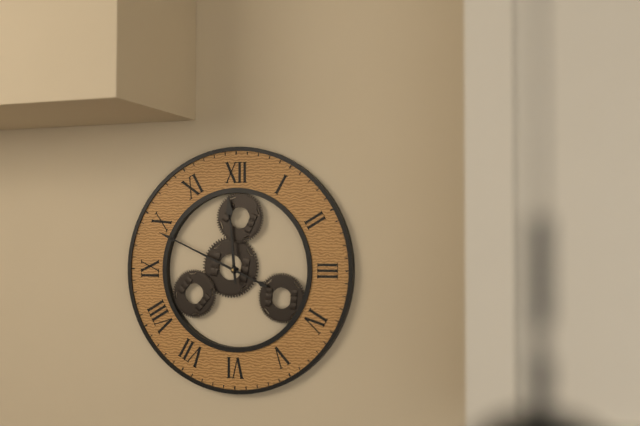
11:49
